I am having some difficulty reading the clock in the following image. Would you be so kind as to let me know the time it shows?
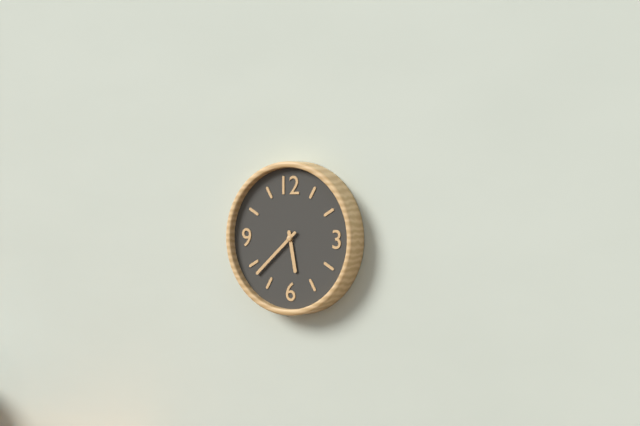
5:38
